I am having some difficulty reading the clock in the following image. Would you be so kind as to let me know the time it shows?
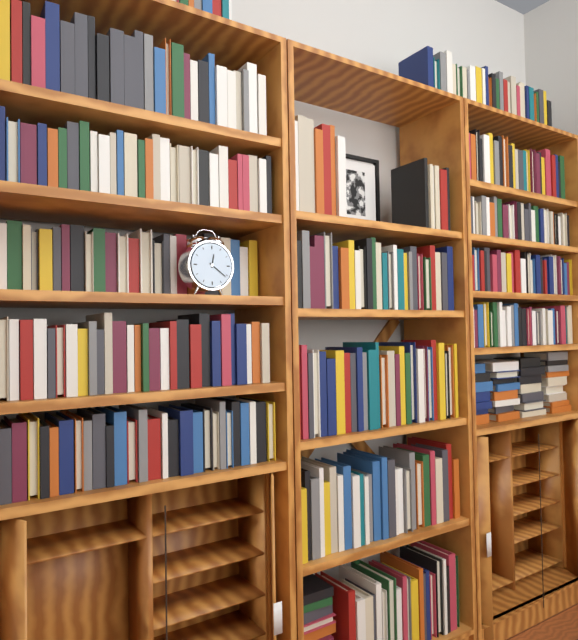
12:21
